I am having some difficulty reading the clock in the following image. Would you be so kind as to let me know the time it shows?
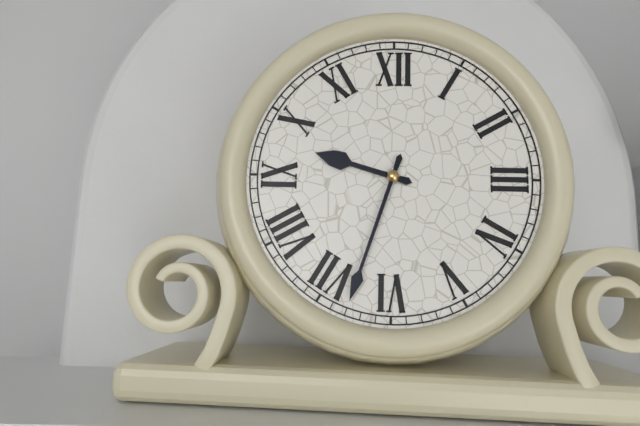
9:33
